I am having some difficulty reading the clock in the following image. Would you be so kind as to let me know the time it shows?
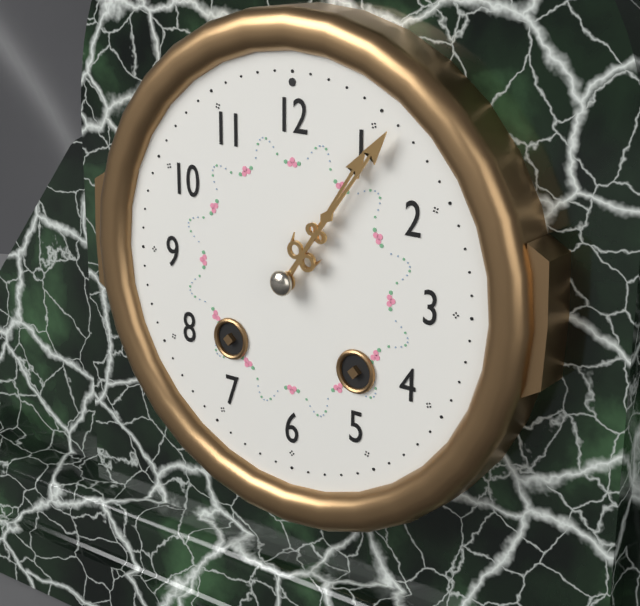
1:06
